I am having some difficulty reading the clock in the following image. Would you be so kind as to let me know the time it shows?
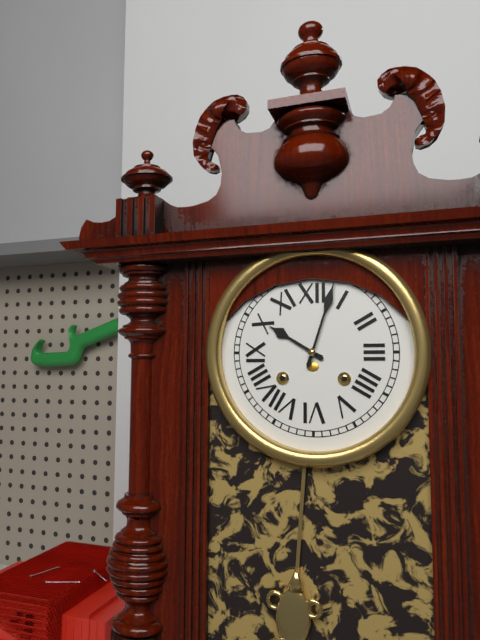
10:03
